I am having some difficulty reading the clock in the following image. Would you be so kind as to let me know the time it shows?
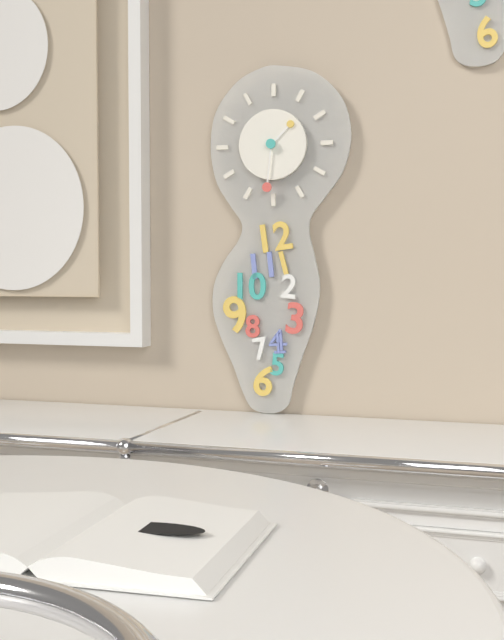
1:31
